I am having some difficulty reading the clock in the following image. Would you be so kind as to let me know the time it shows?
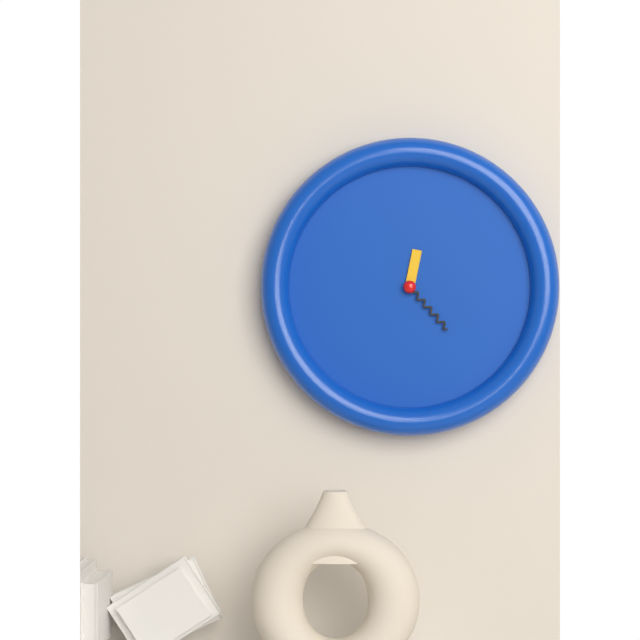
12:23
